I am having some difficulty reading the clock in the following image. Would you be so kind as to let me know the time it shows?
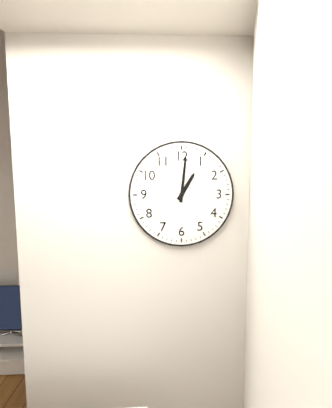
1:01
